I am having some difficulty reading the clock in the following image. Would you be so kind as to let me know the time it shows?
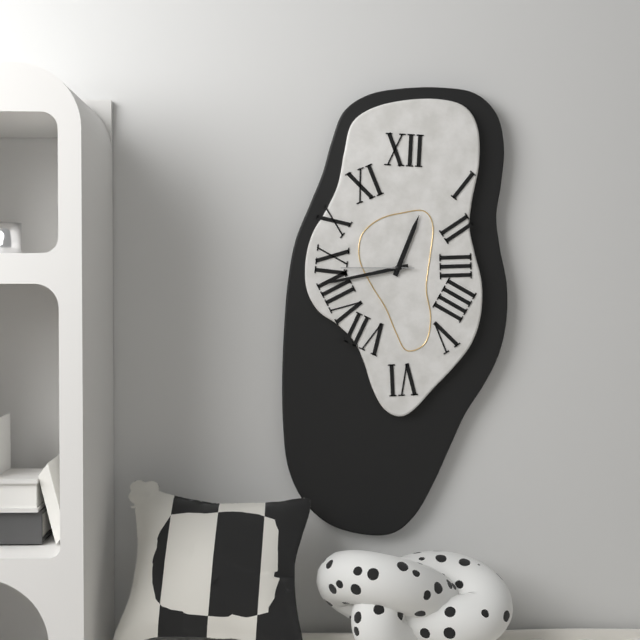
12:43:45
